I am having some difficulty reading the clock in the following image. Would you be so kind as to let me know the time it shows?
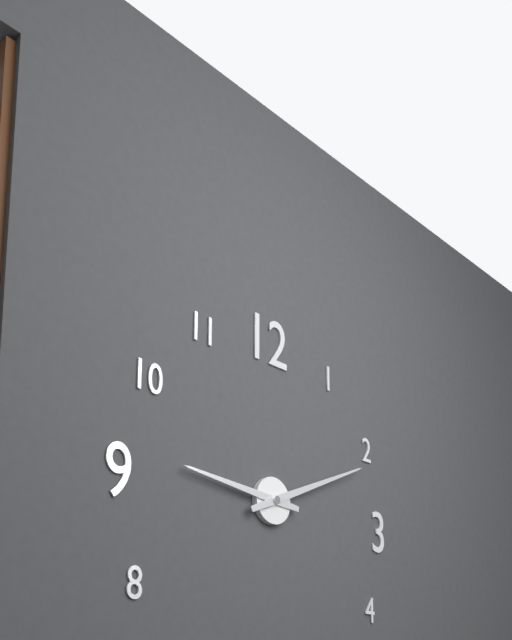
9:11
